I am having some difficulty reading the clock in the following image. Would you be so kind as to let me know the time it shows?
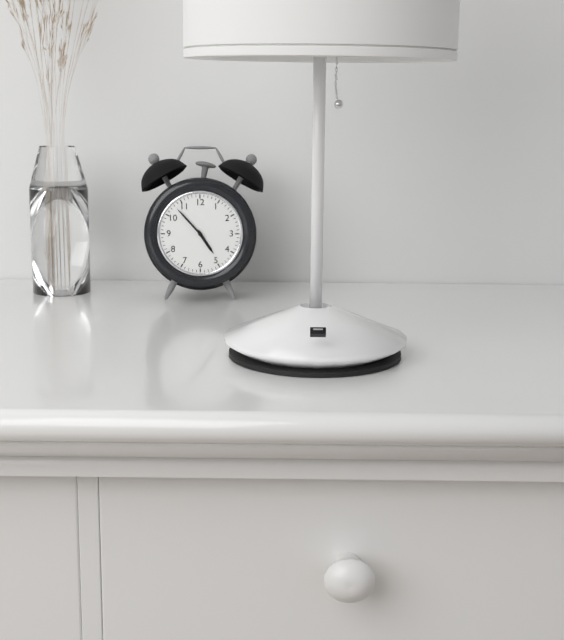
4:53
